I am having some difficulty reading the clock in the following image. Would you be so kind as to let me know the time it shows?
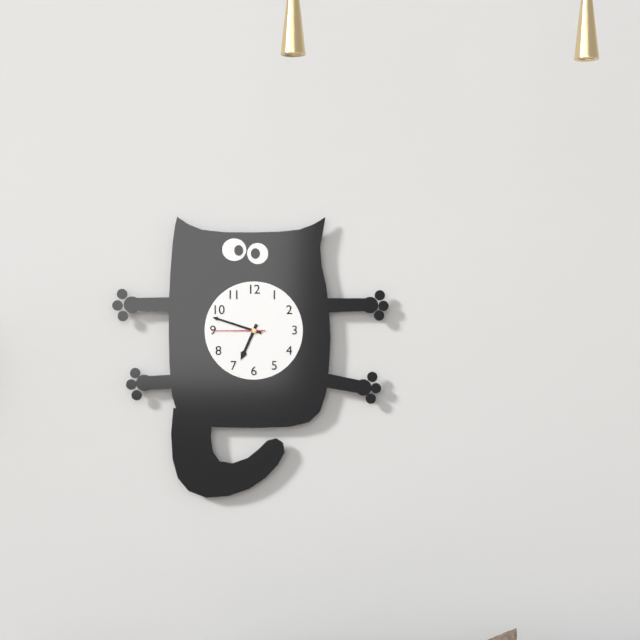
6:48:45
